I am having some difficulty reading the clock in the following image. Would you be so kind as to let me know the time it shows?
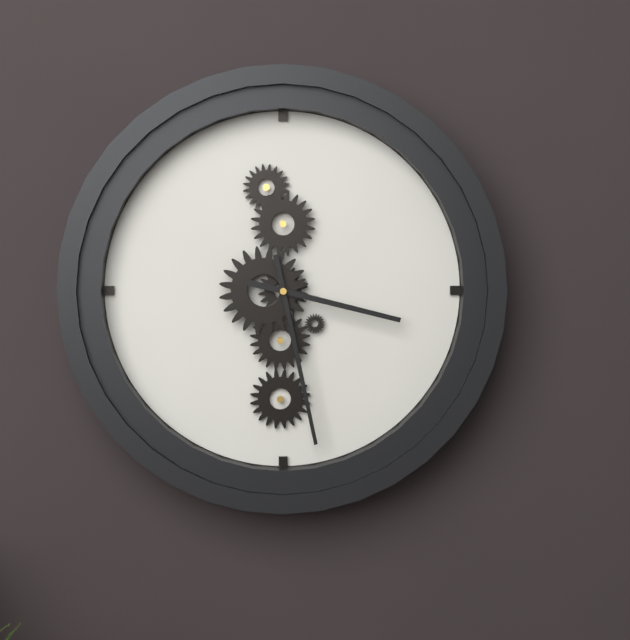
3:28
